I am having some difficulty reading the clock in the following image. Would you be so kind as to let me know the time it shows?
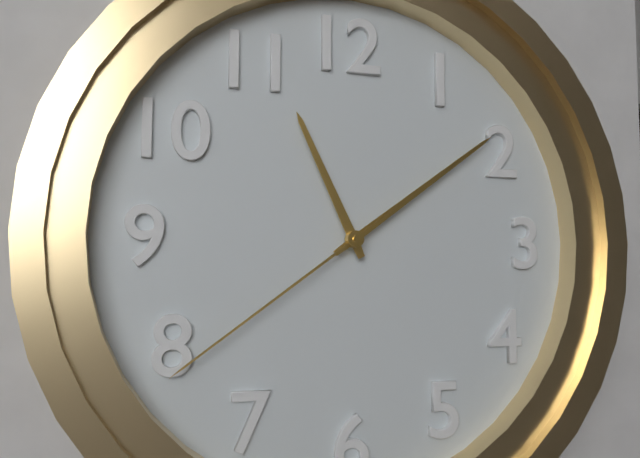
11:09:39
